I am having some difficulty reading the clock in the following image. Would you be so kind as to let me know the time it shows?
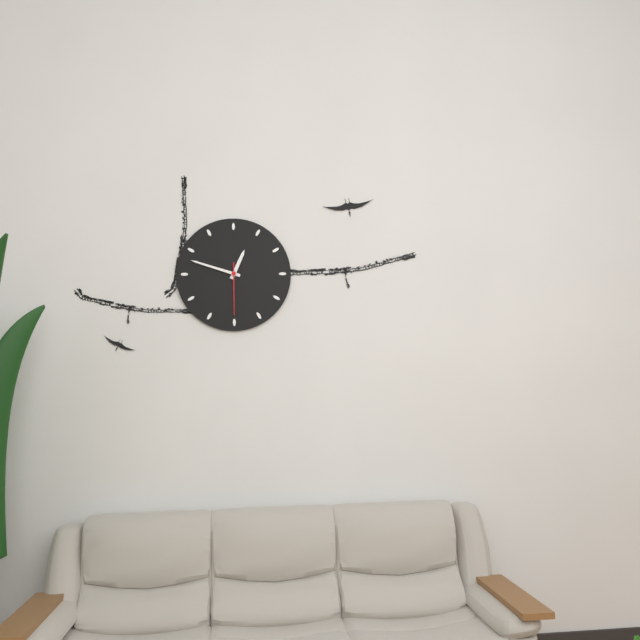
12:48:30
